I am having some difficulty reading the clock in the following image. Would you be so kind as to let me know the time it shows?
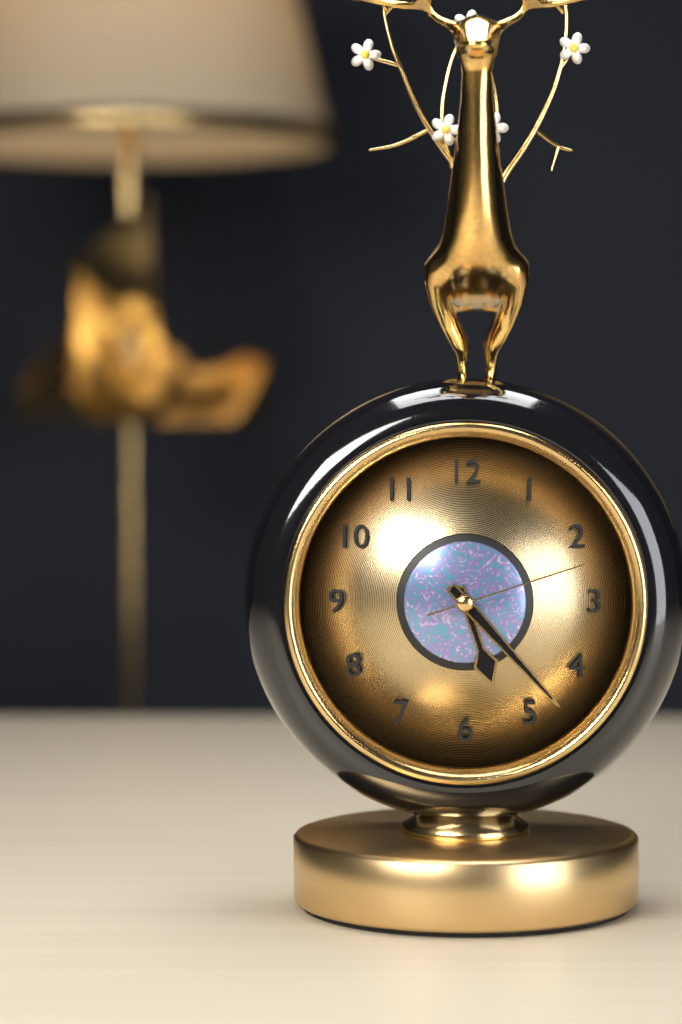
5:23:12
